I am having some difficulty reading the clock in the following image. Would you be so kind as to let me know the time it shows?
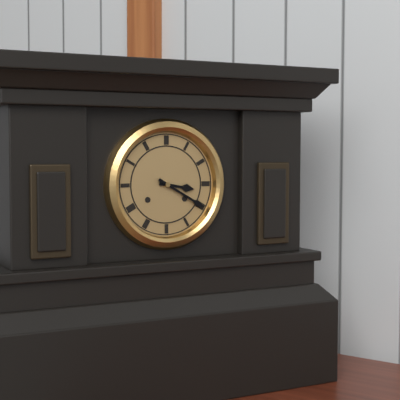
3:20
